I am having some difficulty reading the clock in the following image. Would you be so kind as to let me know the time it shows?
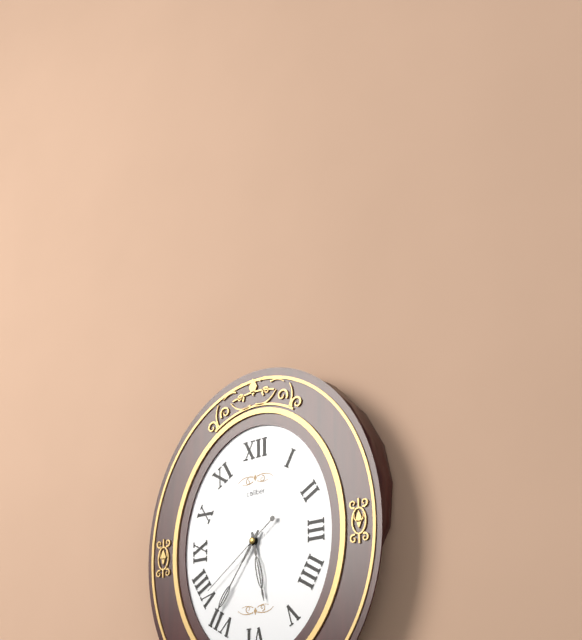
5:36:39
